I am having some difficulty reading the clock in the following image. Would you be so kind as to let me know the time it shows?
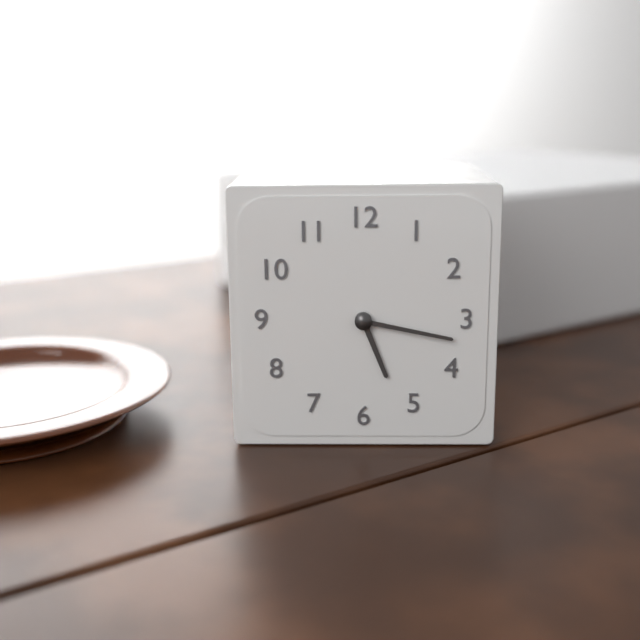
5:17
